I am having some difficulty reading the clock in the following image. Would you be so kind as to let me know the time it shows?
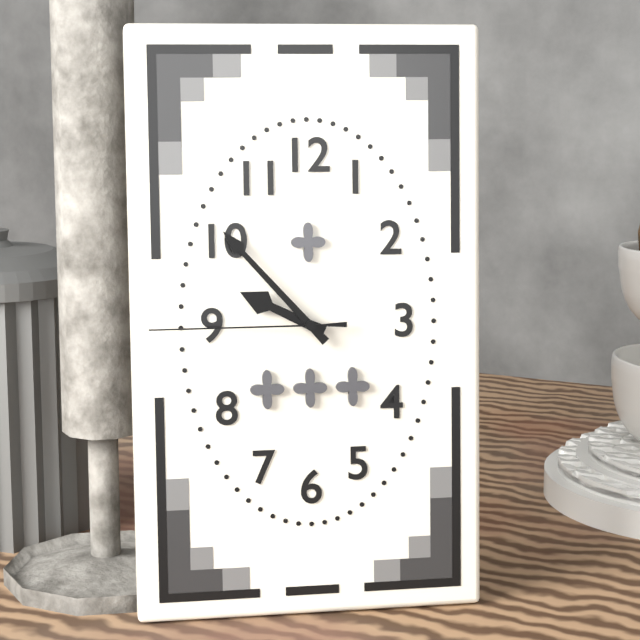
9:53:45
